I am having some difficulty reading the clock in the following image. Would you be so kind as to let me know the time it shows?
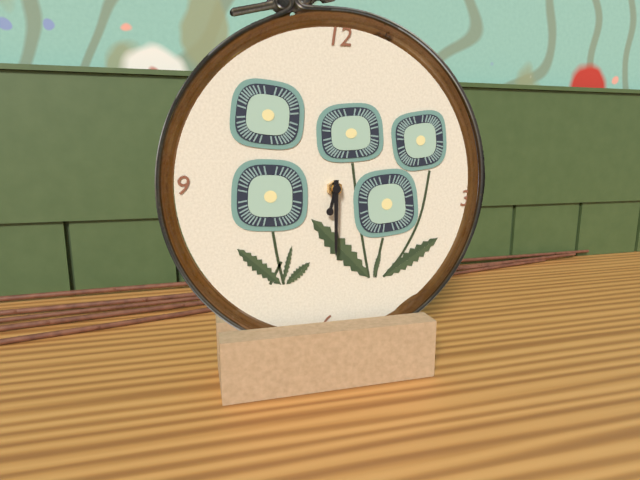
6:30
